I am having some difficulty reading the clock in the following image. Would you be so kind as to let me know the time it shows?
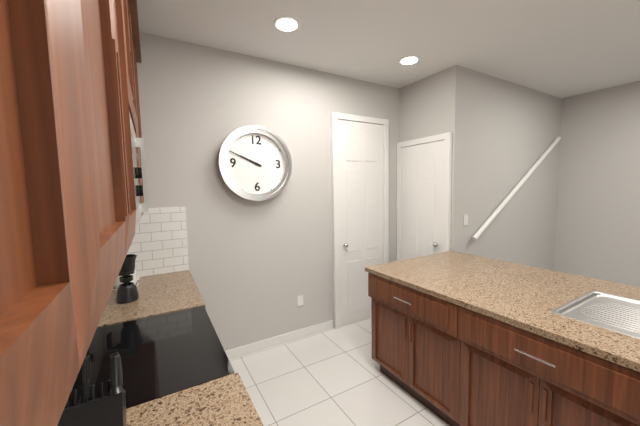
9:49
